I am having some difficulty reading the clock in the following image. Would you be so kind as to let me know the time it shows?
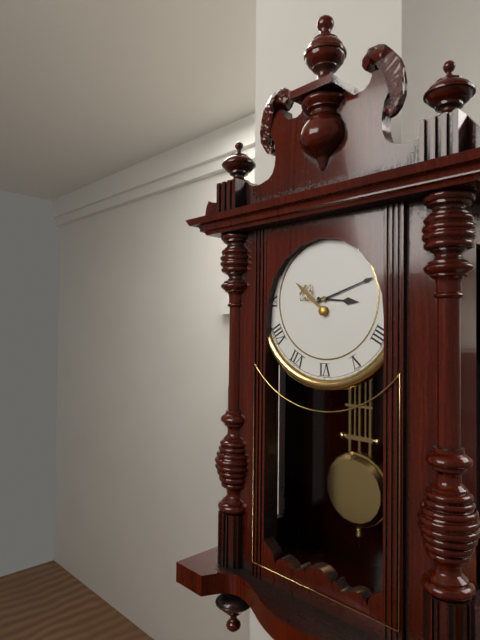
3:12
